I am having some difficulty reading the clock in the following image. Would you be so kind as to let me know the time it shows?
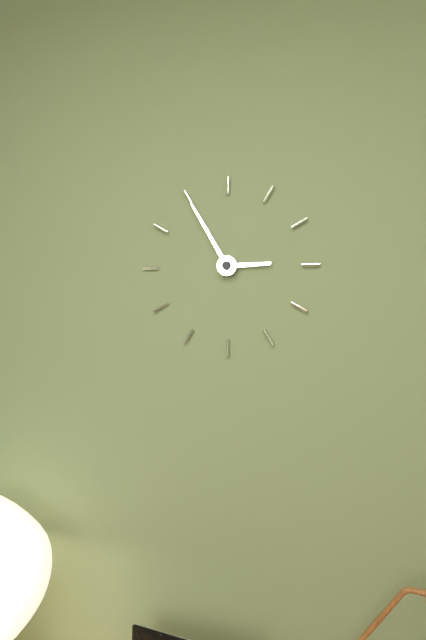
2:55
